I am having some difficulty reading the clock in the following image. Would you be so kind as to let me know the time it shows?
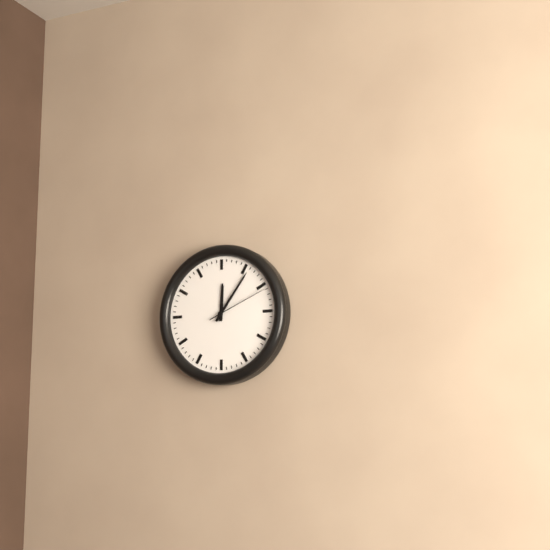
12:06:11
